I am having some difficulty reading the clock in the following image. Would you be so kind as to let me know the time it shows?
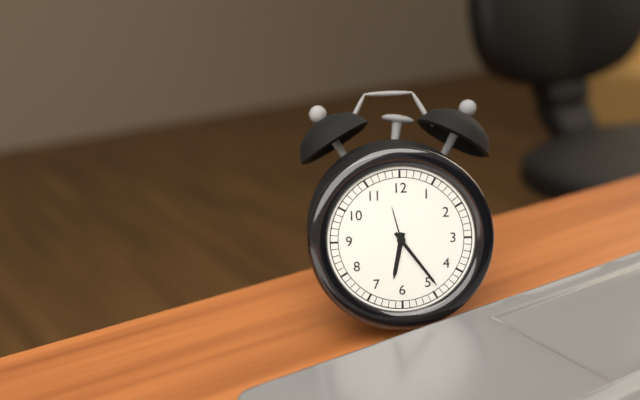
6:24
